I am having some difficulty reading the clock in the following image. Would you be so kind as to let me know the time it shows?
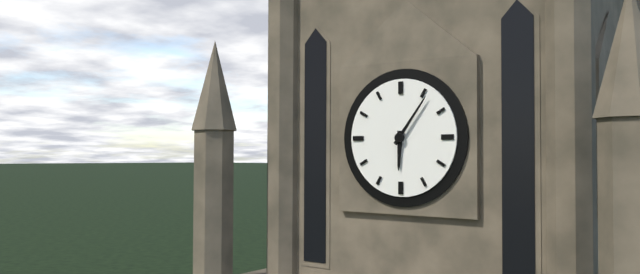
6:06
